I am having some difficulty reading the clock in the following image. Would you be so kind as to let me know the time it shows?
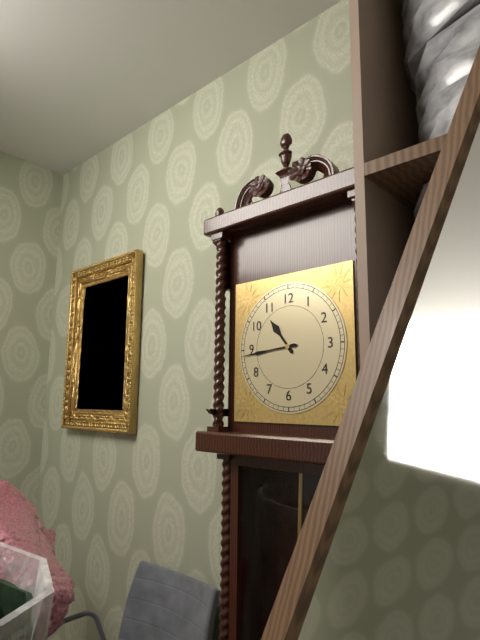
10:44
